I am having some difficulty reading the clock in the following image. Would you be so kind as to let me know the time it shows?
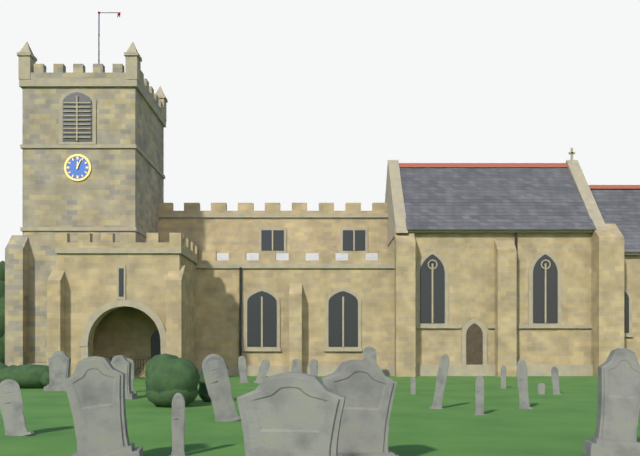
12:04
